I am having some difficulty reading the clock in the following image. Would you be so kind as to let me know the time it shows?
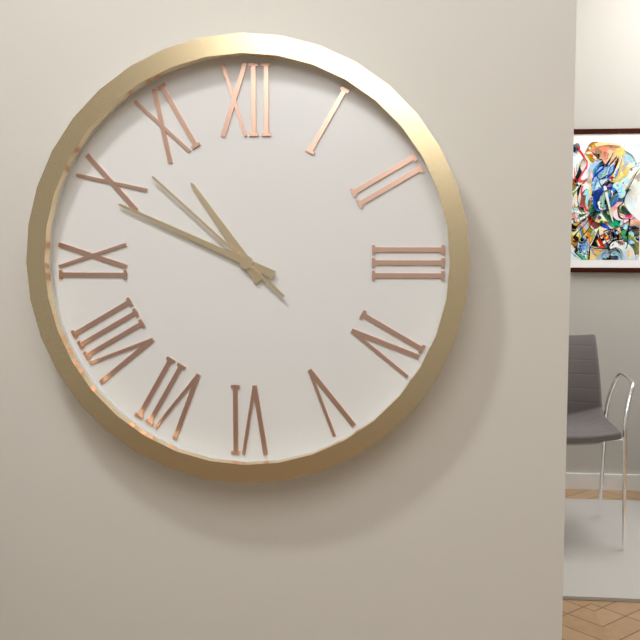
10:49:52
